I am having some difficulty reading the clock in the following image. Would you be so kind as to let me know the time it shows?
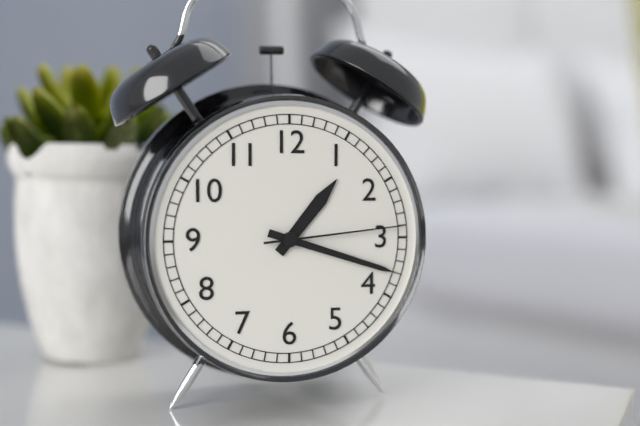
1:18:14
